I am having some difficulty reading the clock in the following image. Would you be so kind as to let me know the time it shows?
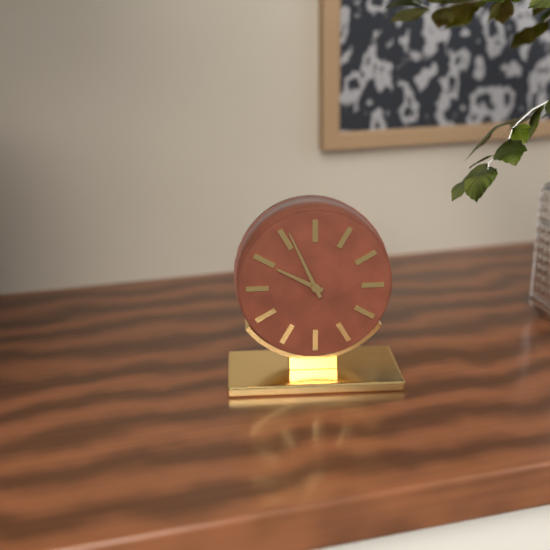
9:56
